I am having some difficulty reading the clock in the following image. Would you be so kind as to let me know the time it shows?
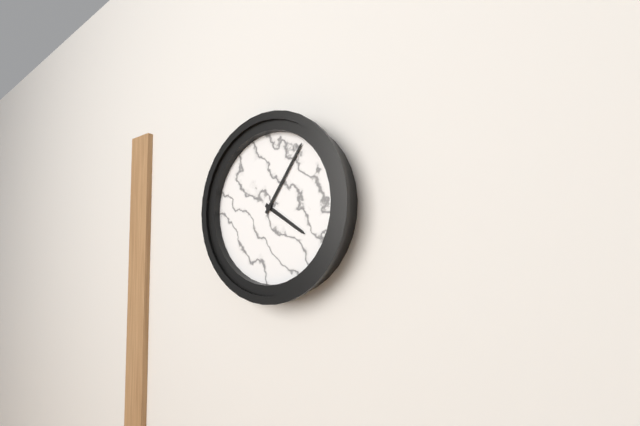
4:06
